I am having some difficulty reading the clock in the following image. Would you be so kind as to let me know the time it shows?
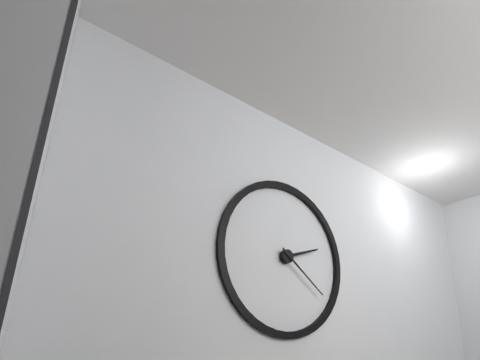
2:21
